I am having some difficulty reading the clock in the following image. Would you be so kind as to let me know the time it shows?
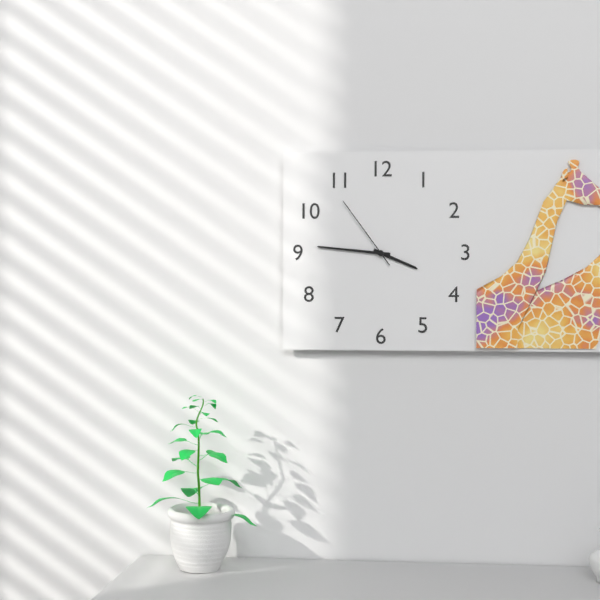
3:46:54
